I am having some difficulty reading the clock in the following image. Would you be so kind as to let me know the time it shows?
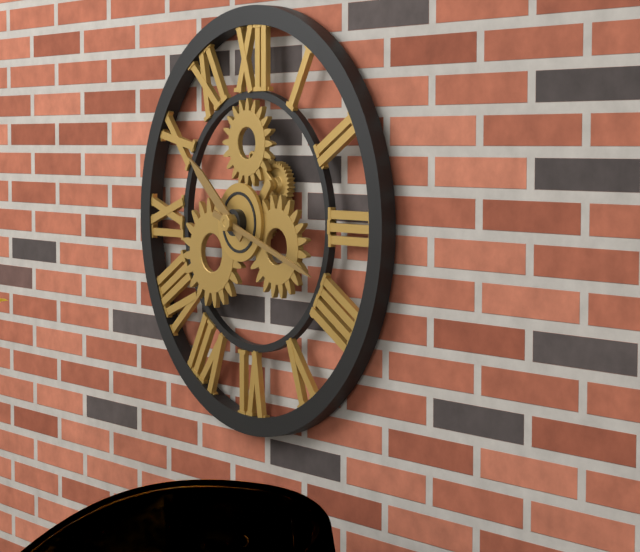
10:18
